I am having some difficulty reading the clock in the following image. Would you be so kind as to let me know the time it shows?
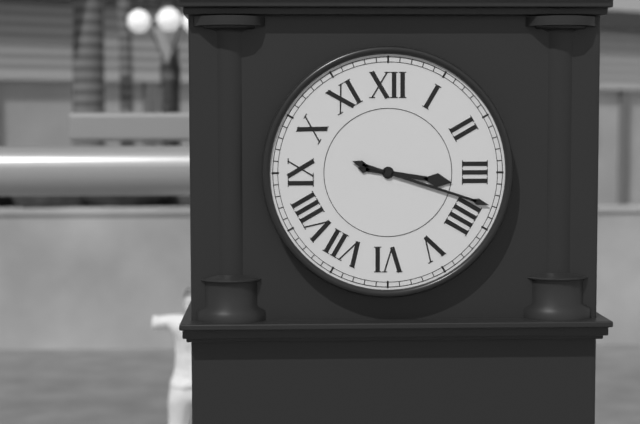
3:18
